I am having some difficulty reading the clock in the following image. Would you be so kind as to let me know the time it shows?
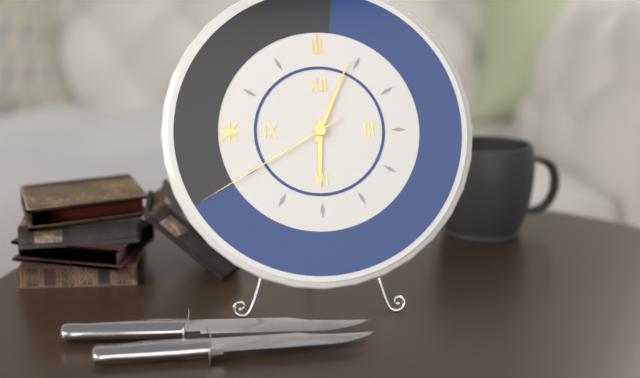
6:04:40
